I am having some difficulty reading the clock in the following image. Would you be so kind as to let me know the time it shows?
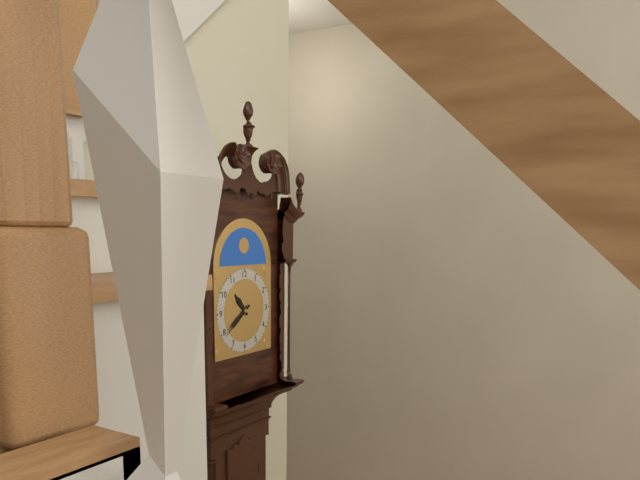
10:39
